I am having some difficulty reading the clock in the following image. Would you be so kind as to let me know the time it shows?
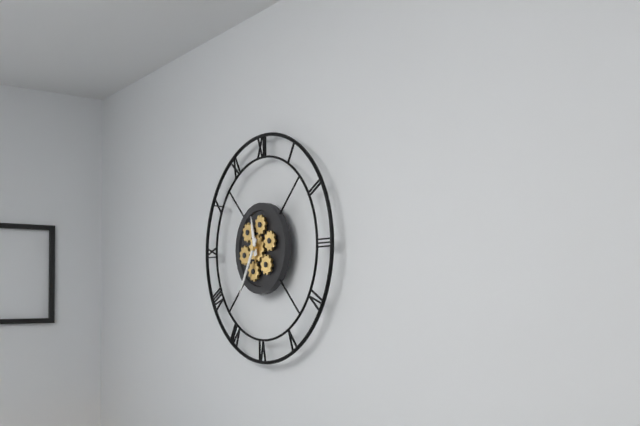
11:35
